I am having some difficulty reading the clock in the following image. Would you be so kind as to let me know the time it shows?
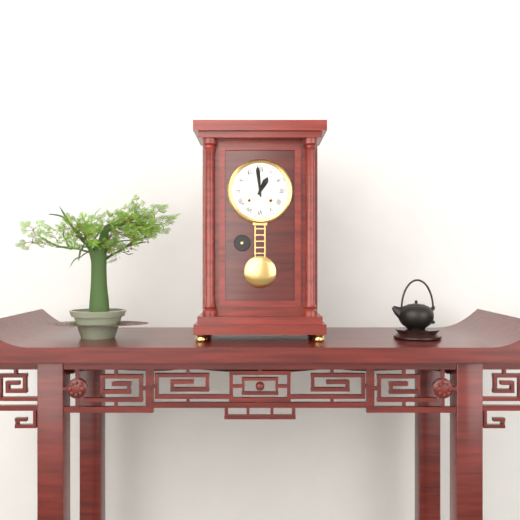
12:59
